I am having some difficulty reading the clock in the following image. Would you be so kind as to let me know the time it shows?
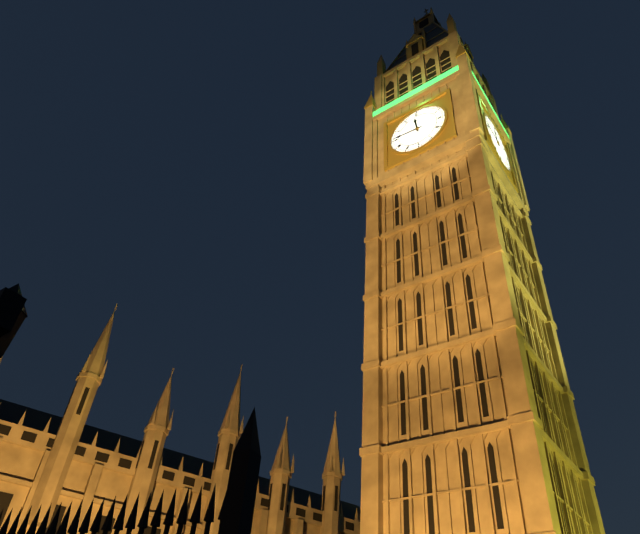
11:46
